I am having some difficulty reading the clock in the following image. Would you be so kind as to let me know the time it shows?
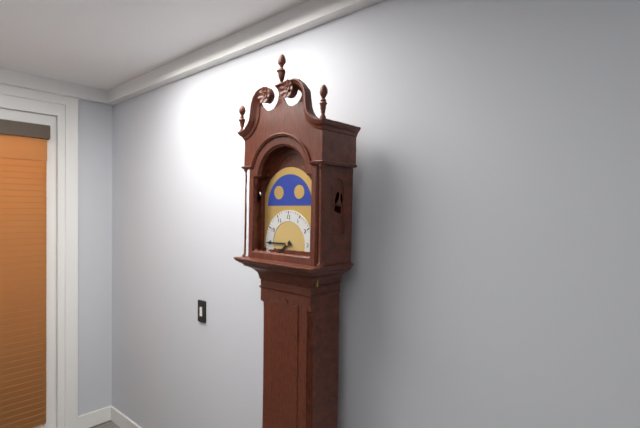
7:45
